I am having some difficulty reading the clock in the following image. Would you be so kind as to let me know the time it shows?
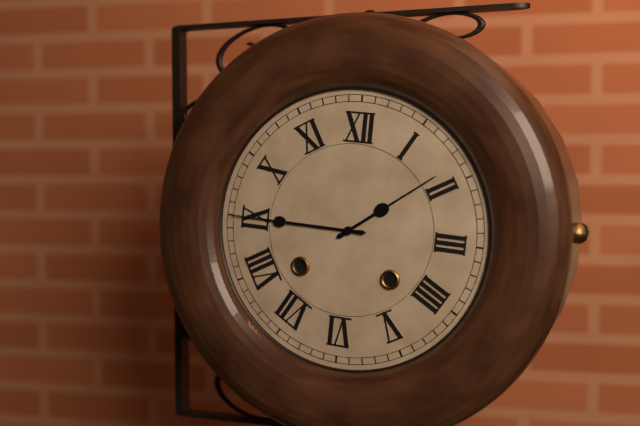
1:45
